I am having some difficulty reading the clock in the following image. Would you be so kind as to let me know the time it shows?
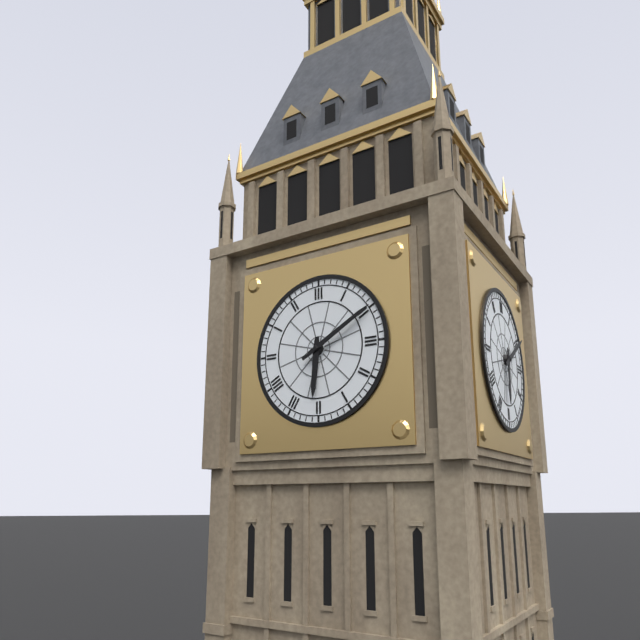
6:10
